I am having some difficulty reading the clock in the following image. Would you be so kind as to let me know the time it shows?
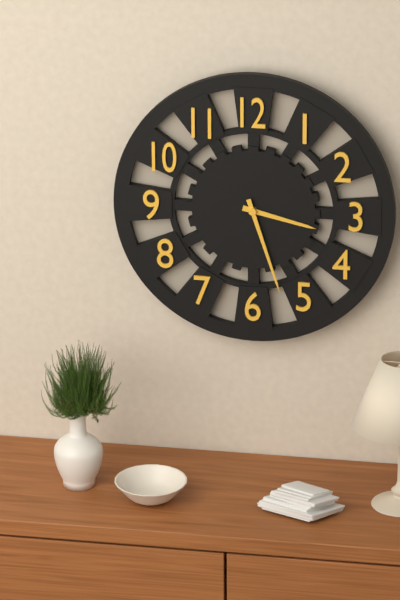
3:27
